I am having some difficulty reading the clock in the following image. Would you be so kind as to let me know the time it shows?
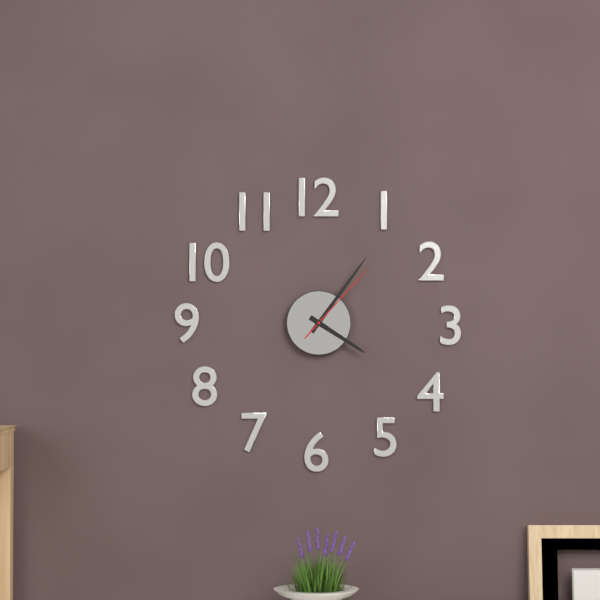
4:06:07
